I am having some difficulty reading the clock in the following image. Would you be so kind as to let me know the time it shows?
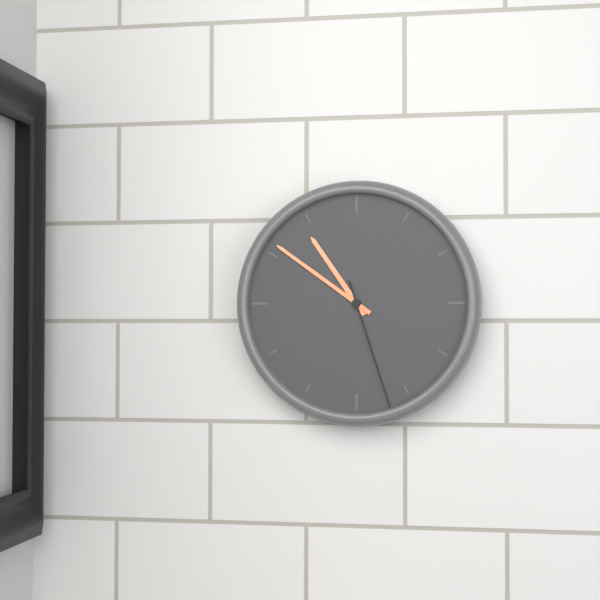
10:51:27
